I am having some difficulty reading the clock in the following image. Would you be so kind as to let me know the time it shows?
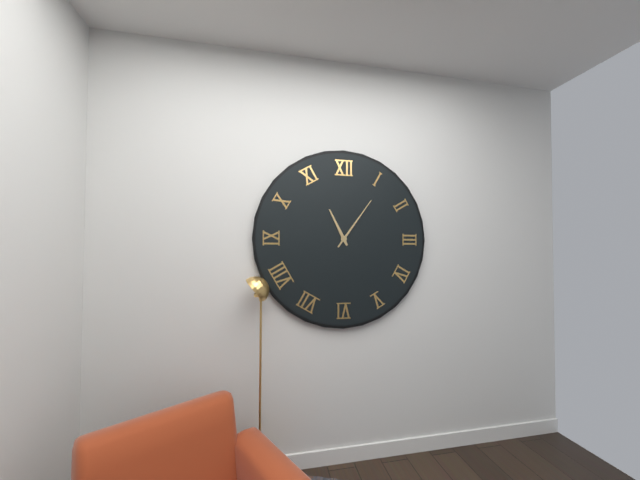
11:06
